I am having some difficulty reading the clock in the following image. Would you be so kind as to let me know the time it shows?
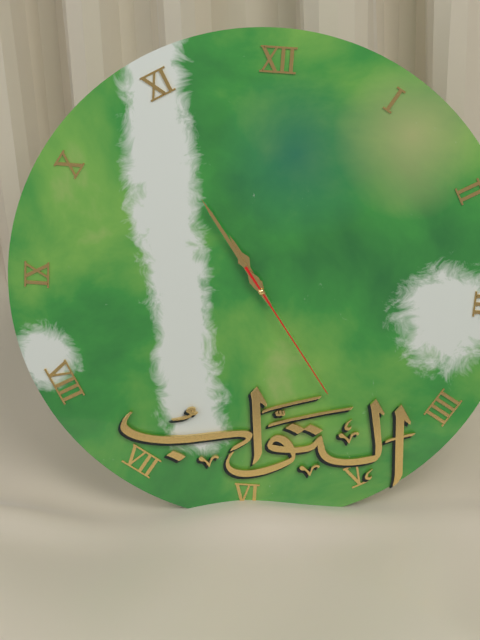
10:54:24
